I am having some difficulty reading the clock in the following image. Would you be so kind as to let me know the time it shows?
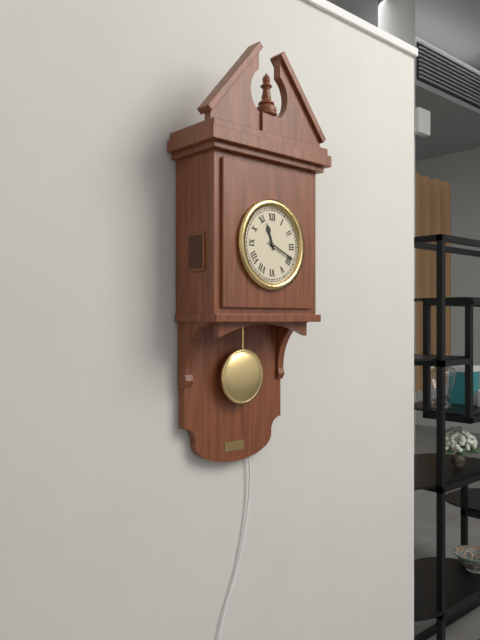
11:19
